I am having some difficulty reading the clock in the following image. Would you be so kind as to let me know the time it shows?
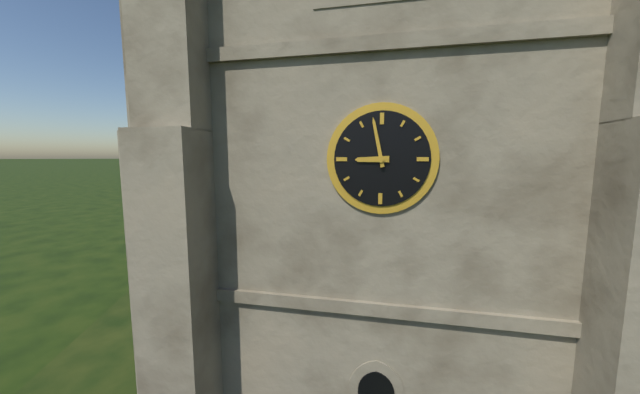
8:58
